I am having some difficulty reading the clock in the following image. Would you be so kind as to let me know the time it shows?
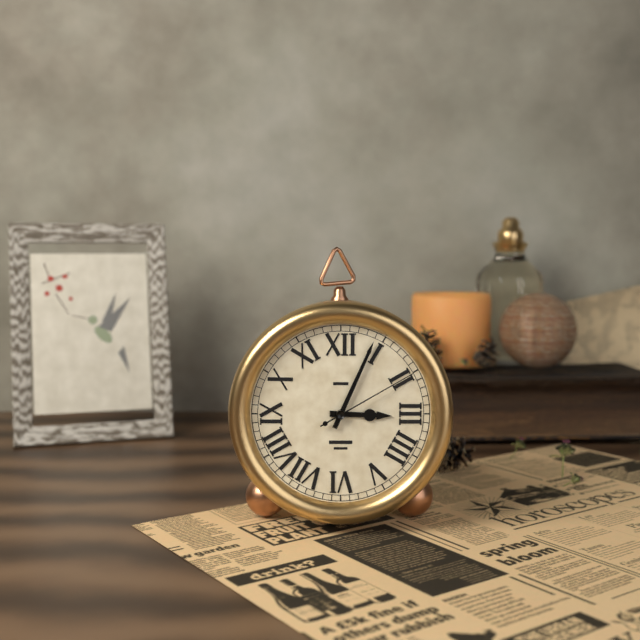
3:04:10
